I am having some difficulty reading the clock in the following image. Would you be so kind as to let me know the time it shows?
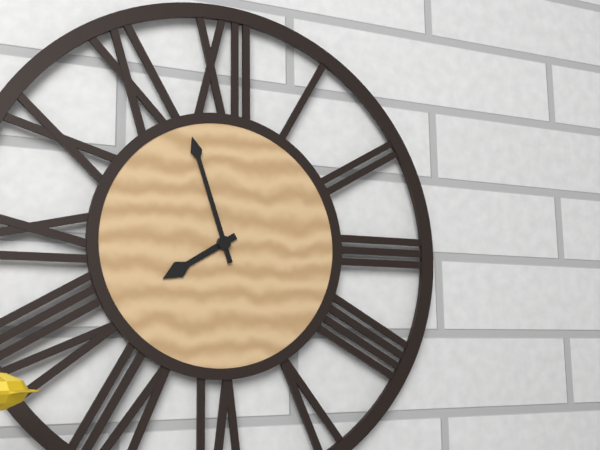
7:57
